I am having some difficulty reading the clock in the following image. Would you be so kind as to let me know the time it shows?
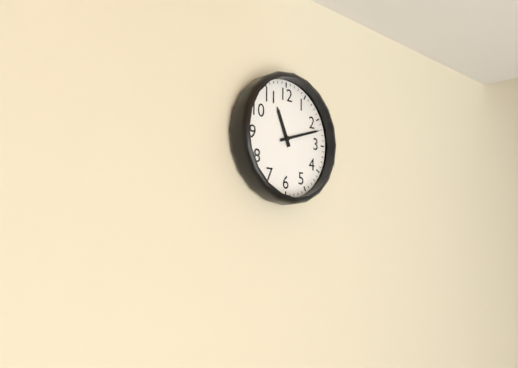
11:12
